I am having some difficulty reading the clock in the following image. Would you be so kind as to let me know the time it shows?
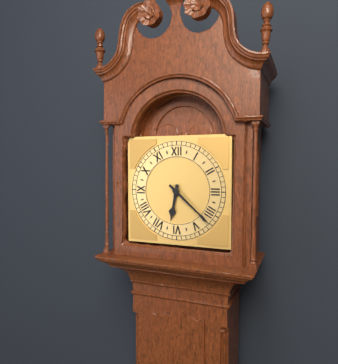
6:22
